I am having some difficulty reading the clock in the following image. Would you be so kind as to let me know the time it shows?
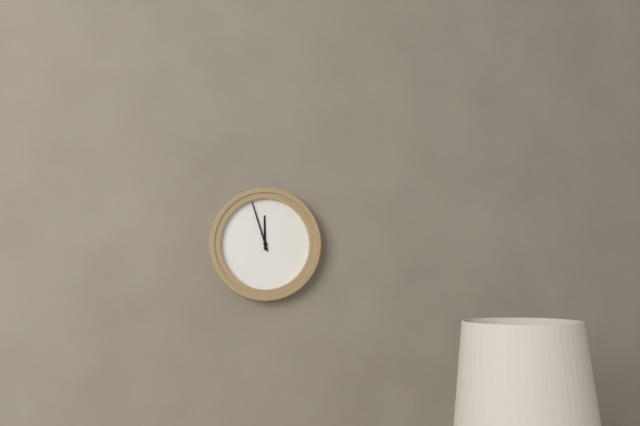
11:57
